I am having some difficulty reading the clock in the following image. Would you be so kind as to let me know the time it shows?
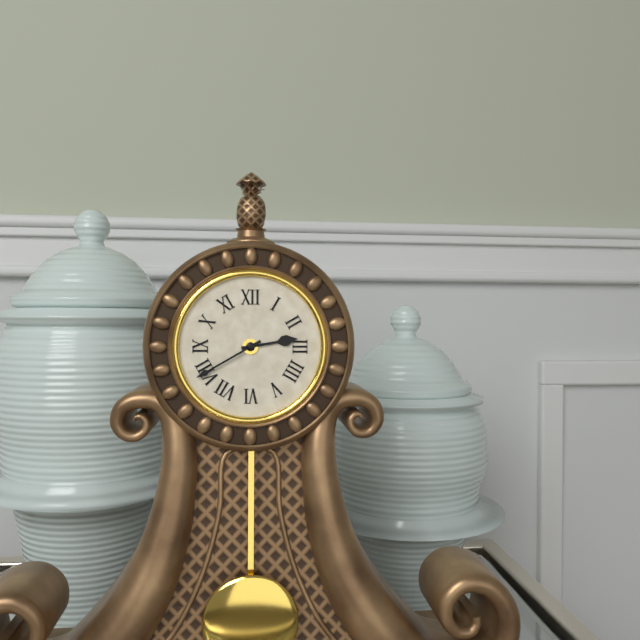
2:40
